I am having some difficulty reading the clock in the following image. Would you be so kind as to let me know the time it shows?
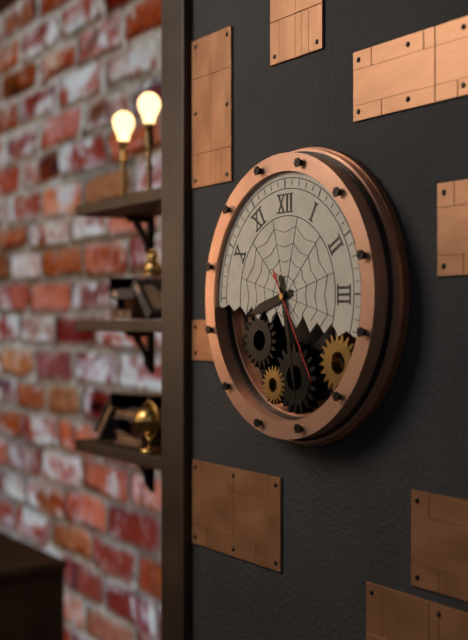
8:28:25
